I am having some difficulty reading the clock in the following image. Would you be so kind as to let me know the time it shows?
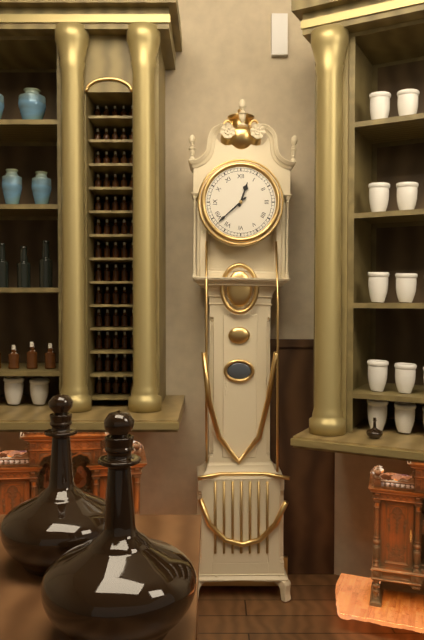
12:38
